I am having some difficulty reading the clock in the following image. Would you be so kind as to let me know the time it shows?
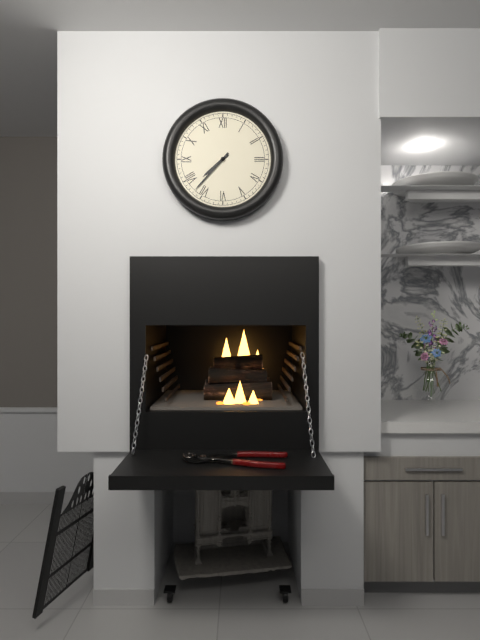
7:37
